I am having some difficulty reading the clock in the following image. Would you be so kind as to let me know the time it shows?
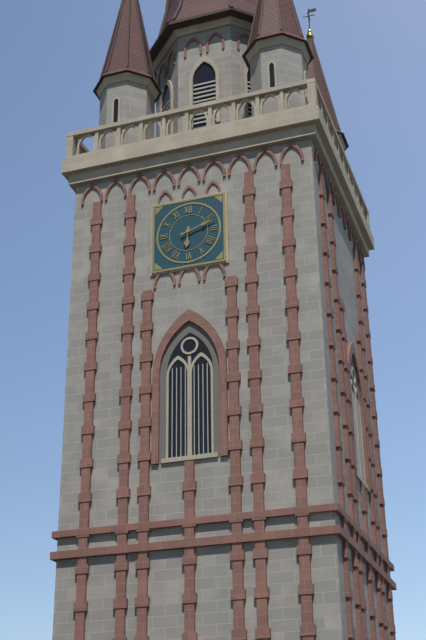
6:12
